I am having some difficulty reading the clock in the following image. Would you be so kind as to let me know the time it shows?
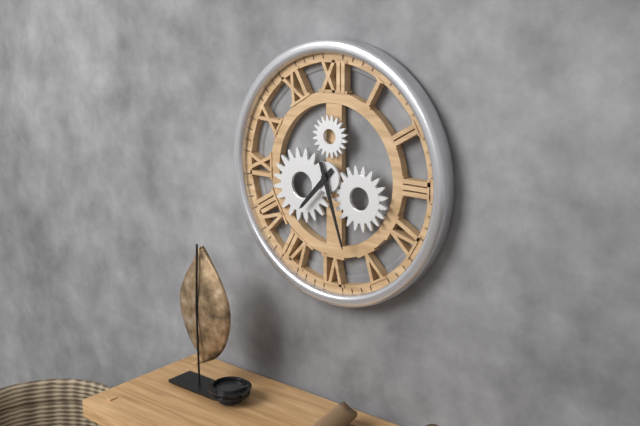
7:27
